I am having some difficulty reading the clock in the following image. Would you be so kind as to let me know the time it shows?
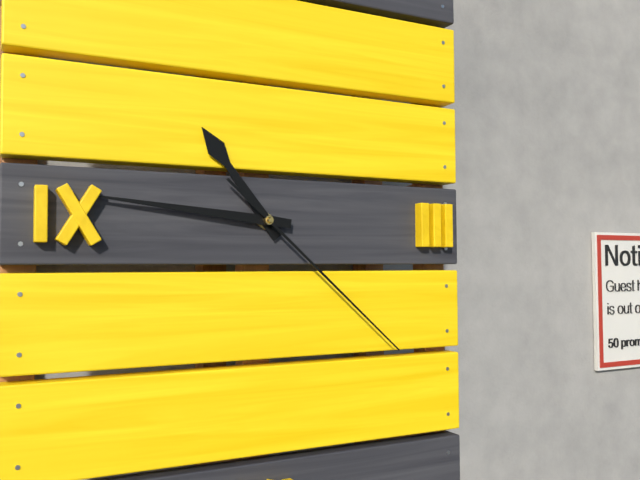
10:46:22
